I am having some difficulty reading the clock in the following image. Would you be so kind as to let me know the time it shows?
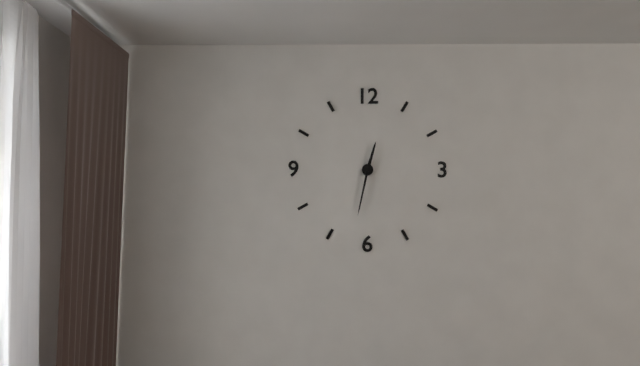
12:32
